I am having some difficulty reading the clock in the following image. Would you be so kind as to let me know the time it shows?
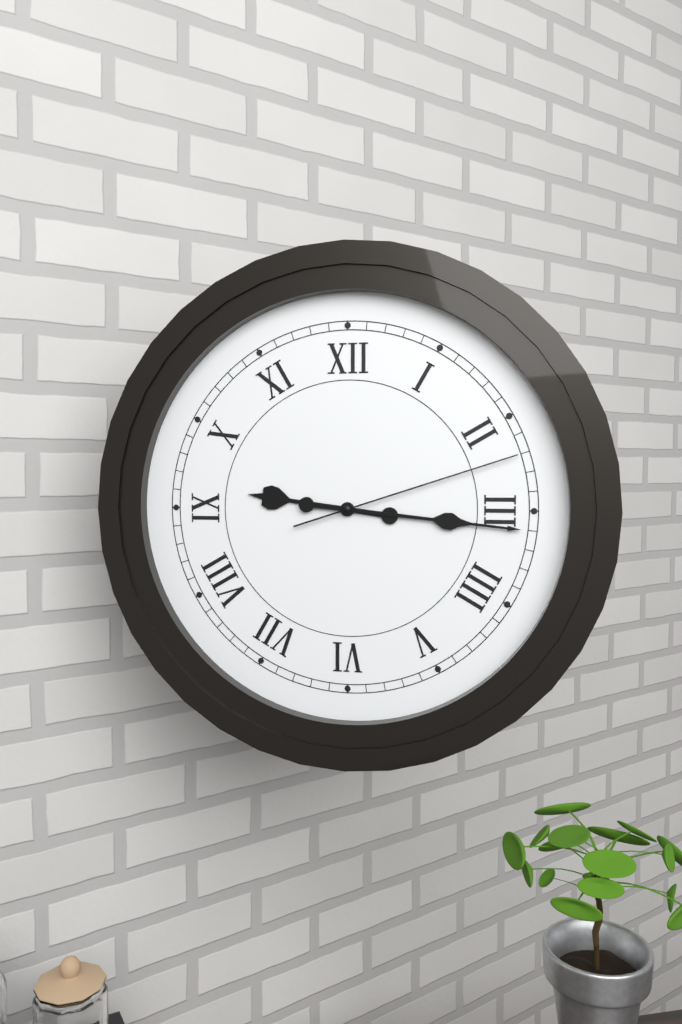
9:16:12
